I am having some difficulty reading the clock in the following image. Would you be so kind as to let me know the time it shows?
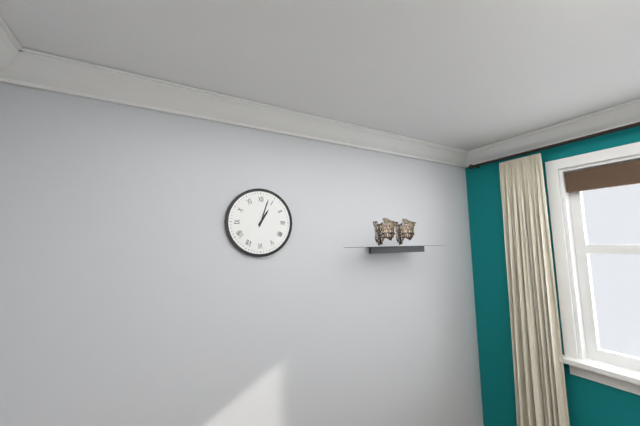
1:03
